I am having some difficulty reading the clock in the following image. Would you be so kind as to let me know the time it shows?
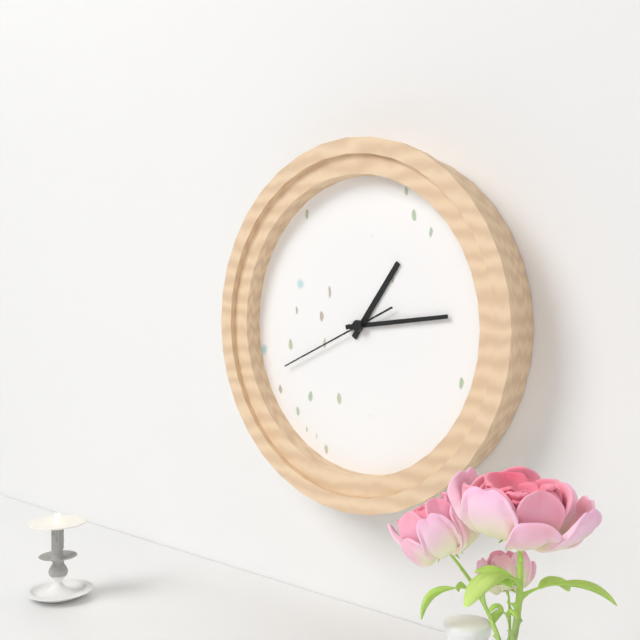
1:14:41
